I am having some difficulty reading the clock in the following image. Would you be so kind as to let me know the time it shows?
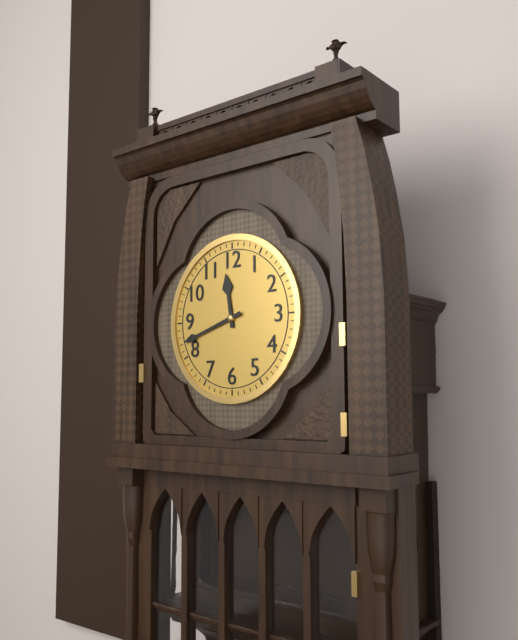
11:42
